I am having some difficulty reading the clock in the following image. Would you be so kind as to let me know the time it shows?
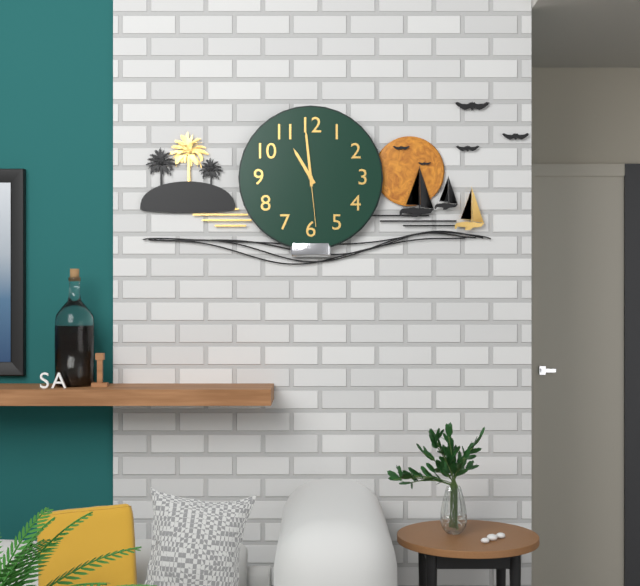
10:59:29
